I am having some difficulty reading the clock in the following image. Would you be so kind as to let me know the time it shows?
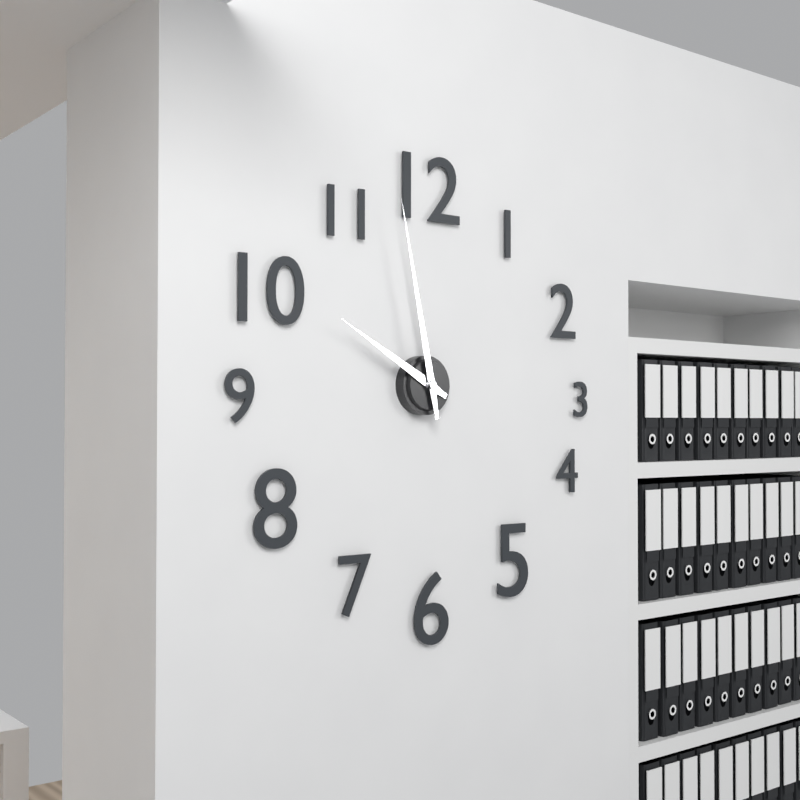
9:58
